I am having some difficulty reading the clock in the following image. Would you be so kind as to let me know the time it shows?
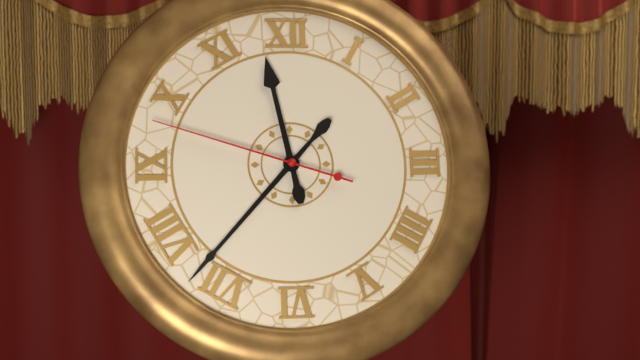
11:37:48
